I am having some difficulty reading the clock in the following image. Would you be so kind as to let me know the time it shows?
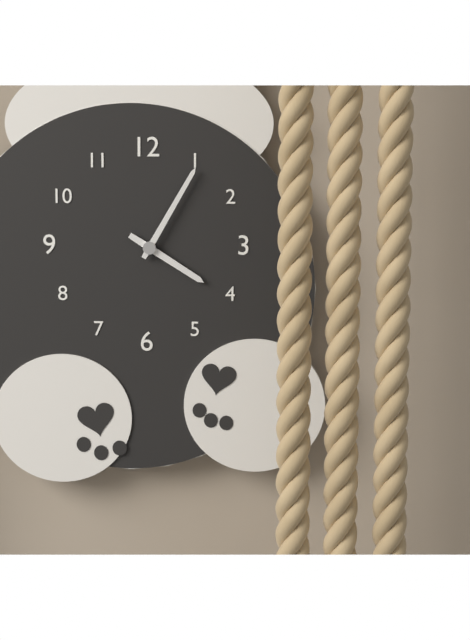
4:05
